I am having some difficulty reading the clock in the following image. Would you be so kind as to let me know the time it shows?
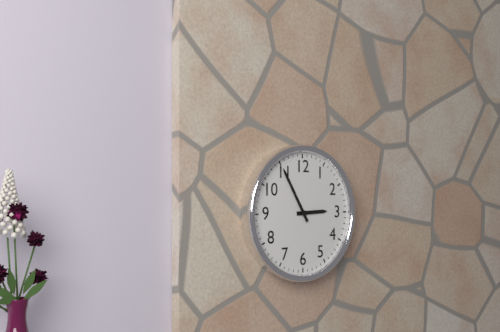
2:55
